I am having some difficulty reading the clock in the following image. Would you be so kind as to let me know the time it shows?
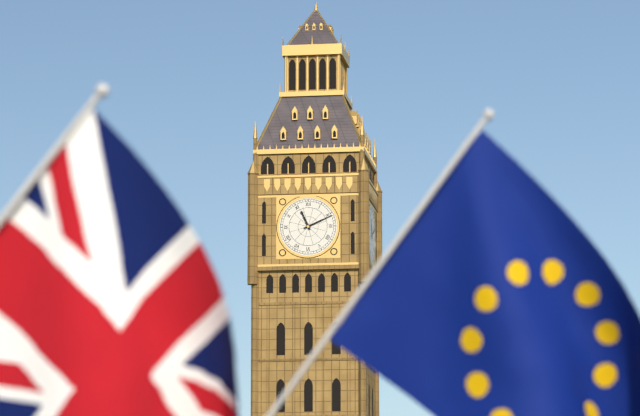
11:11
